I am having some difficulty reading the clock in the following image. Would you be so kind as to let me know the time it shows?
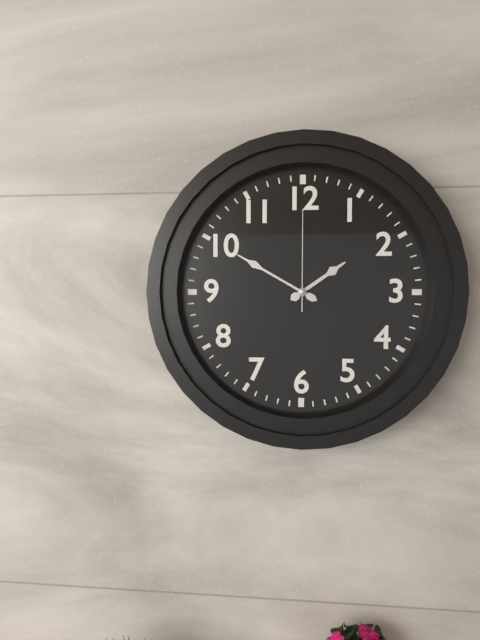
1:50:00
